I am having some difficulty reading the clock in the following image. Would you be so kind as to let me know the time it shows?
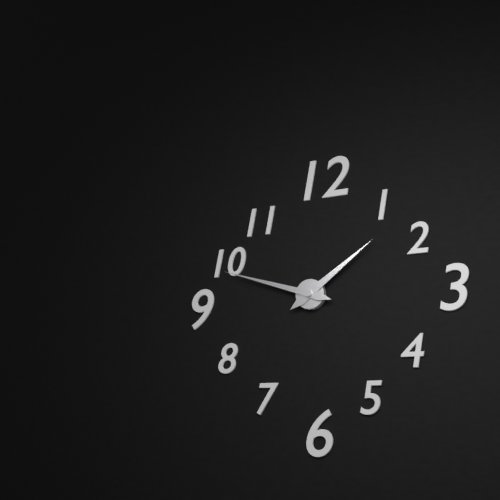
1:48
